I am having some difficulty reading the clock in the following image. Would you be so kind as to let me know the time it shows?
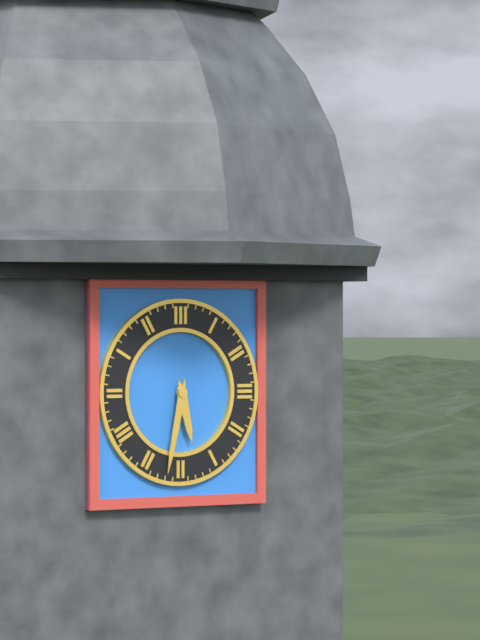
5:32
